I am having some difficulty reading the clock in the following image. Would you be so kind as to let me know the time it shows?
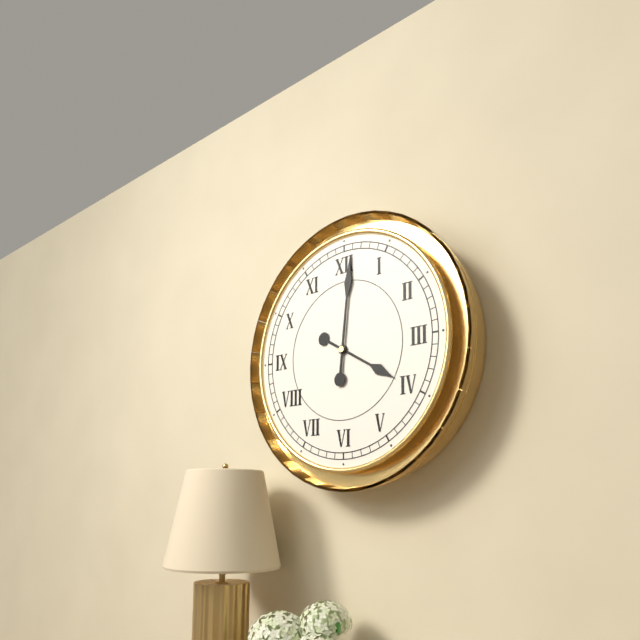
4:01
